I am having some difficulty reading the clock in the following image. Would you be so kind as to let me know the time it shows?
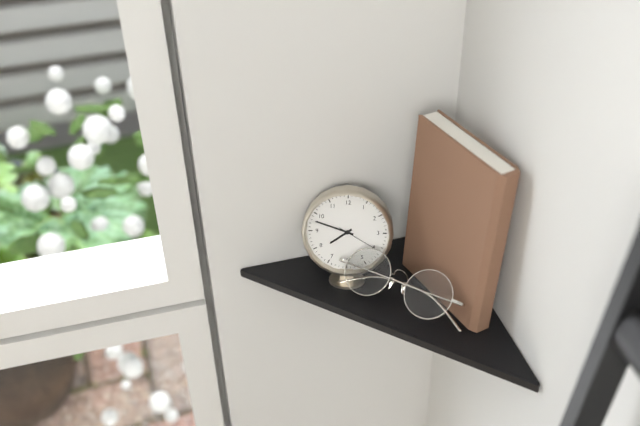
7:48
